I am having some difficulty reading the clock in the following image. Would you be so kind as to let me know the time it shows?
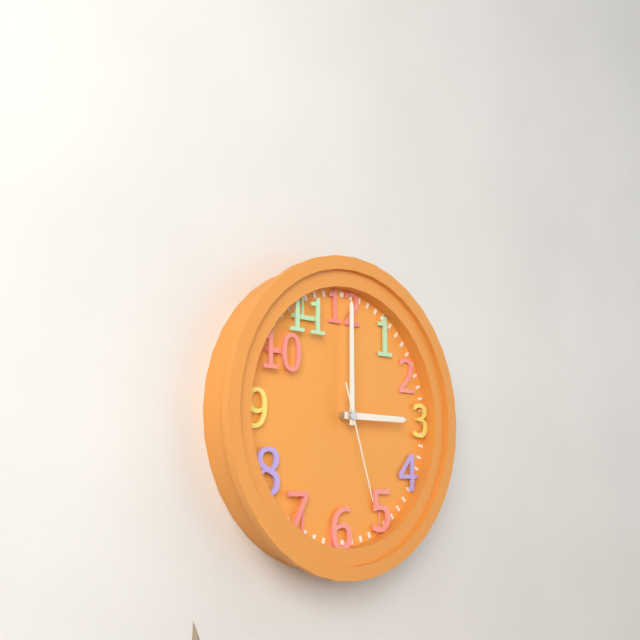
3:00:27
